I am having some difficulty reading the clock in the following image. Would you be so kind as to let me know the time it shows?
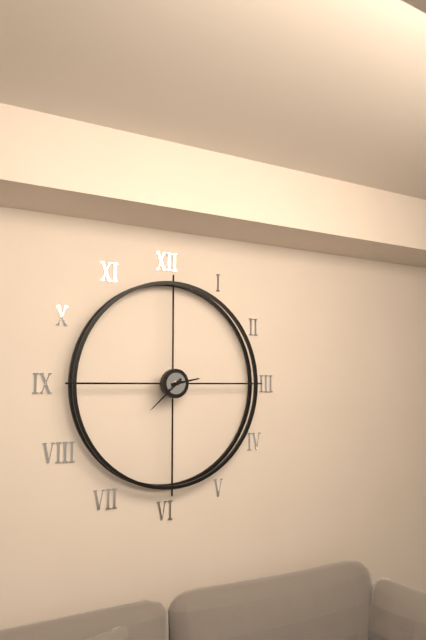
2:38
